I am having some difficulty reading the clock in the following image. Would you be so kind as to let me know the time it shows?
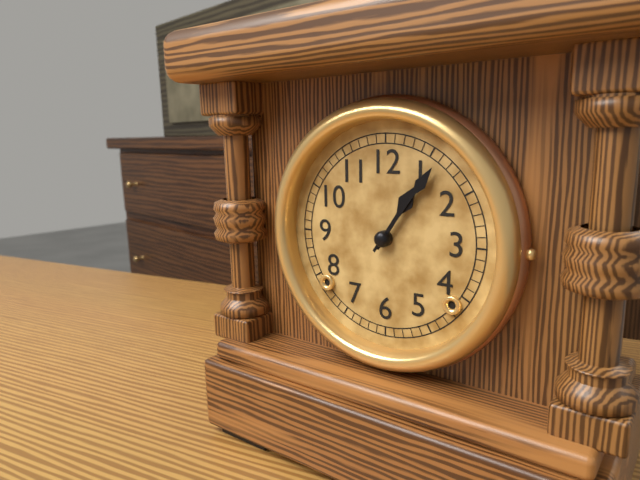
1:06
